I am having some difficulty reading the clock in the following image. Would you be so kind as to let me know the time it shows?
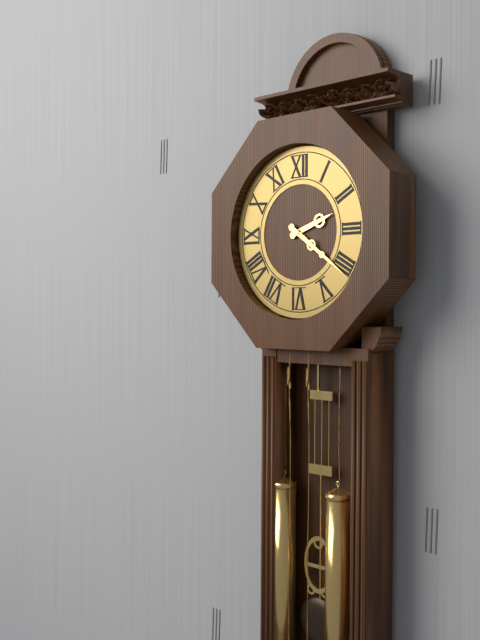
2:21
